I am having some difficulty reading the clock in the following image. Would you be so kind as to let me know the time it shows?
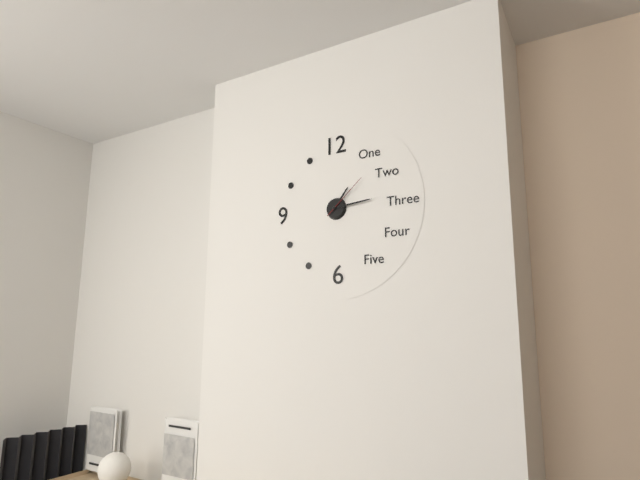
1:14:08
